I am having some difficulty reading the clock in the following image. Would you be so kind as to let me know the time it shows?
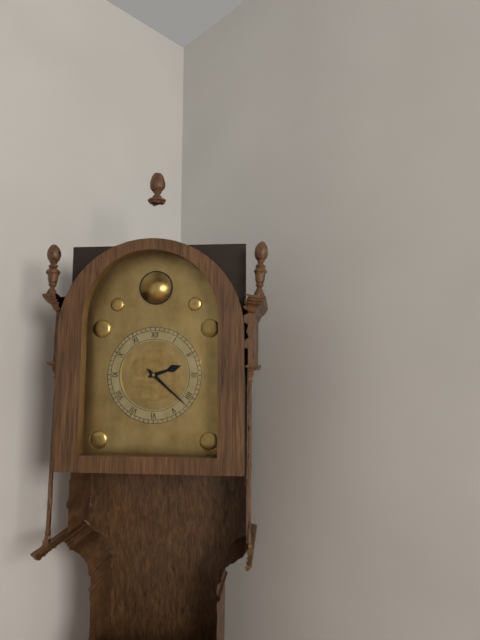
2:22
